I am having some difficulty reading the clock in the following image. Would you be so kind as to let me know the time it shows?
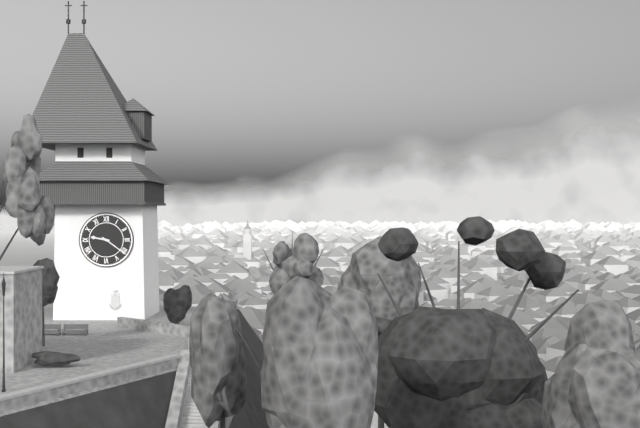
9:21
